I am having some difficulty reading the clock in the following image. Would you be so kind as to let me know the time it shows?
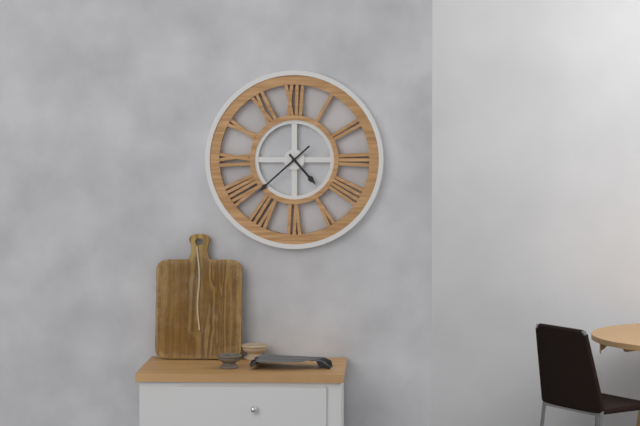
4:38
